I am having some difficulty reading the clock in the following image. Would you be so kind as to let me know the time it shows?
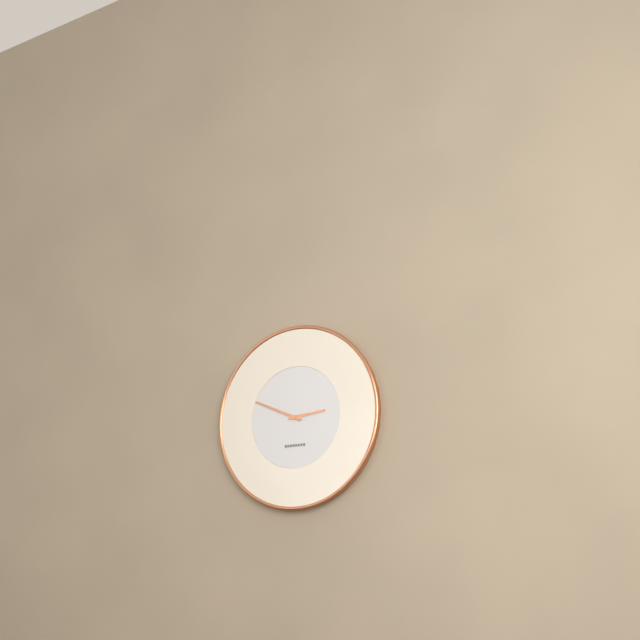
2:49
